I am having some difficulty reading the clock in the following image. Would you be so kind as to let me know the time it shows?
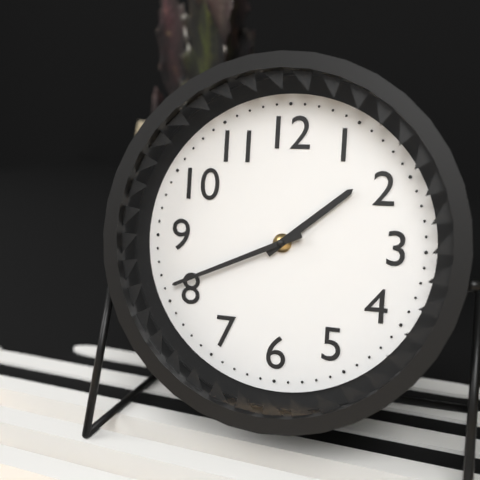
1:41
